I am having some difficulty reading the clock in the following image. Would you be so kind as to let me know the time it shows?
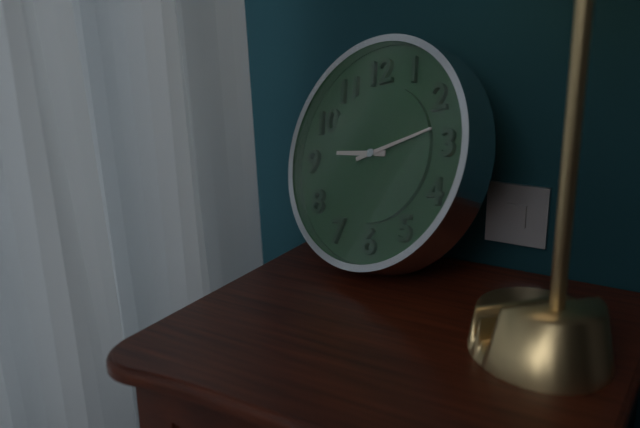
9:13
